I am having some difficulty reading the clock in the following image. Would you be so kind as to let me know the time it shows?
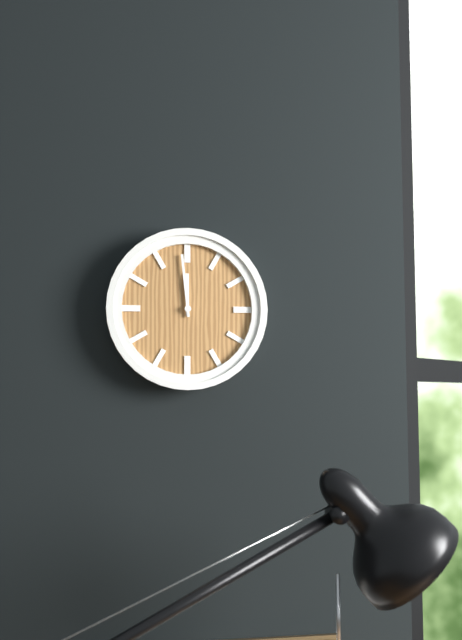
11:59
